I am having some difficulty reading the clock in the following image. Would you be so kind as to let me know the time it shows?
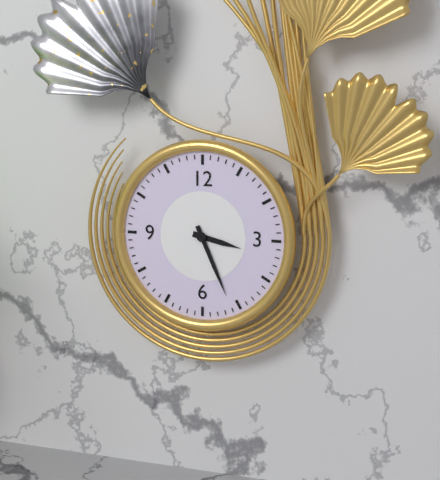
3:26
